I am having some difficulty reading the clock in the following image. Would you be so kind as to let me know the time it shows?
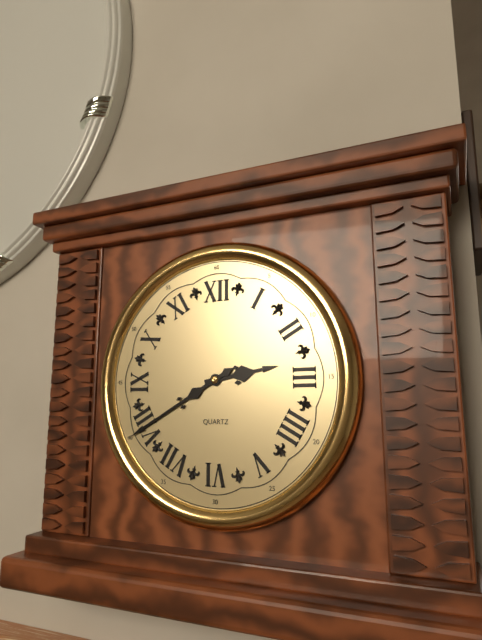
2:40
